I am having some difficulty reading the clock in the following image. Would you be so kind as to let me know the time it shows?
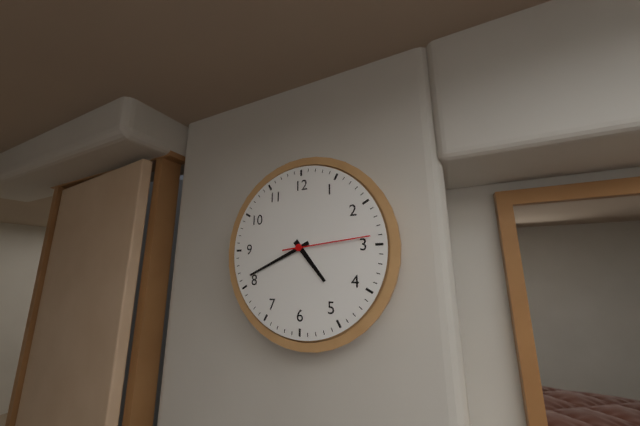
4:41:14
